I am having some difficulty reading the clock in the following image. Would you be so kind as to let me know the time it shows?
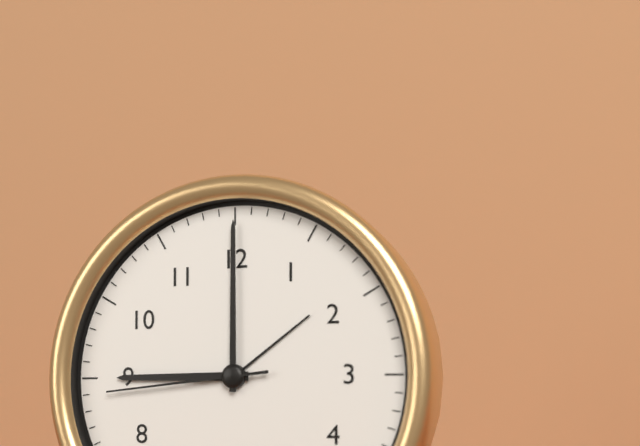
9:00:44
